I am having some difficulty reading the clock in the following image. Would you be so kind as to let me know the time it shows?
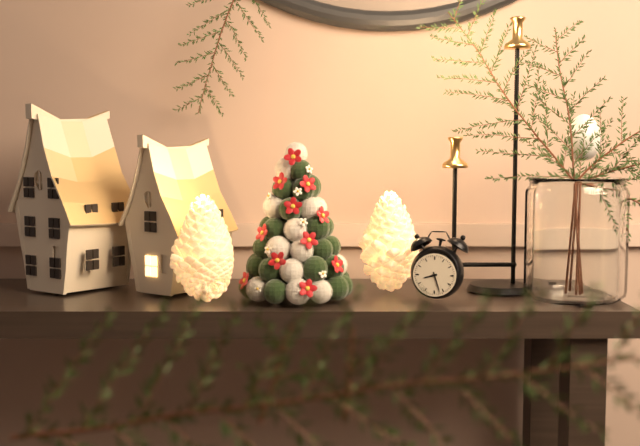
8:27
